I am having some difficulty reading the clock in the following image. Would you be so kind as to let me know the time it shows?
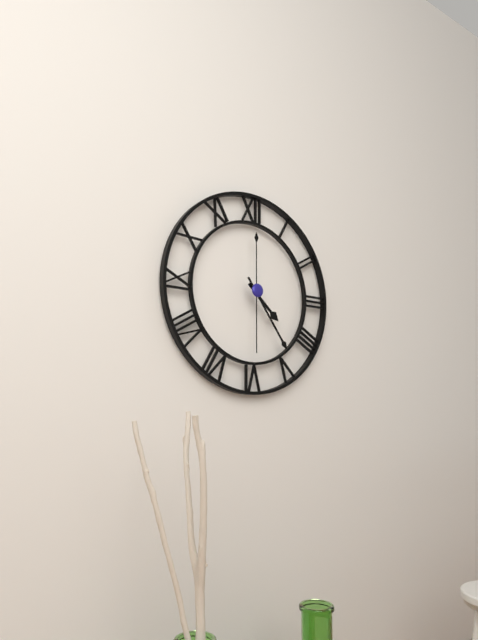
4:24:30
